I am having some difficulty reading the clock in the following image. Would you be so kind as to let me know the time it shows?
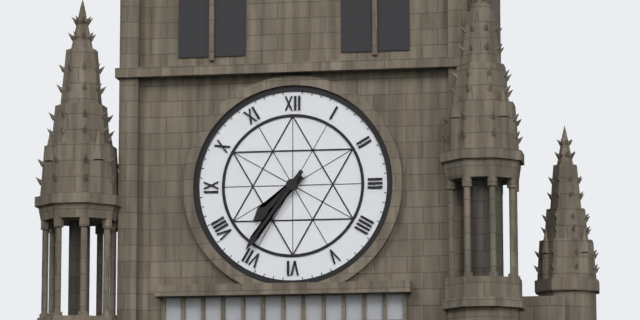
7:36
